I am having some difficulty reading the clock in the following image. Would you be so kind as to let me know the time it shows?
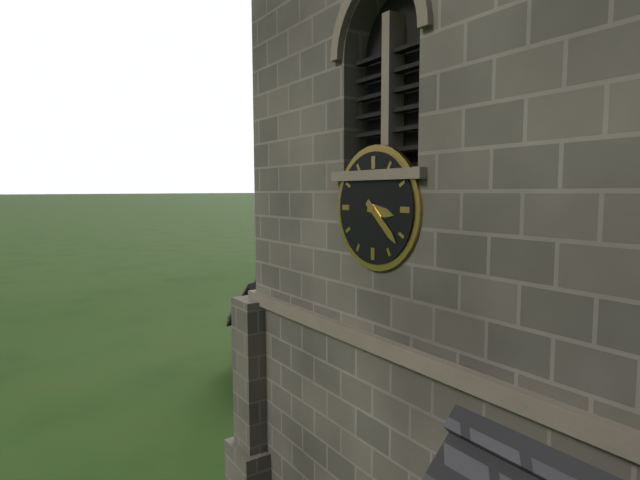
3:22
